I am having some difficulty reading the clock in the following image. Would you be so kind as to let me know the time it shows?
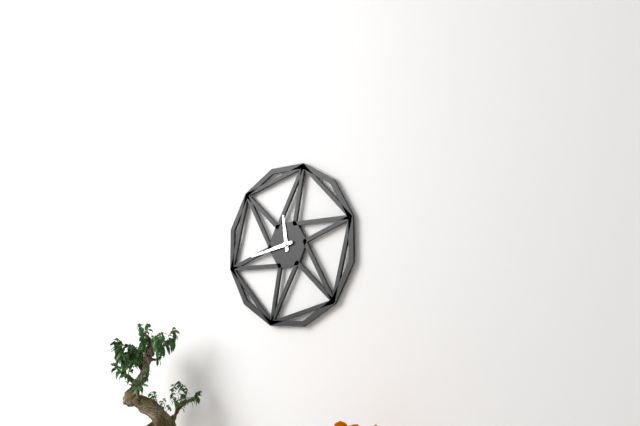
11:43
